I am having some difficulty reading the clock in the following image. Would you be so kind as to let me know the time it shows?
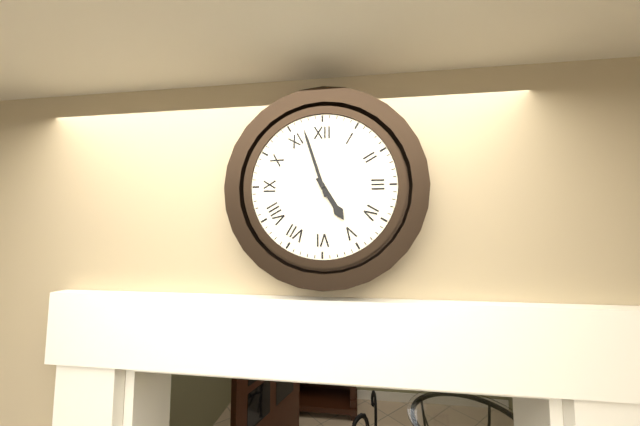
4:57
